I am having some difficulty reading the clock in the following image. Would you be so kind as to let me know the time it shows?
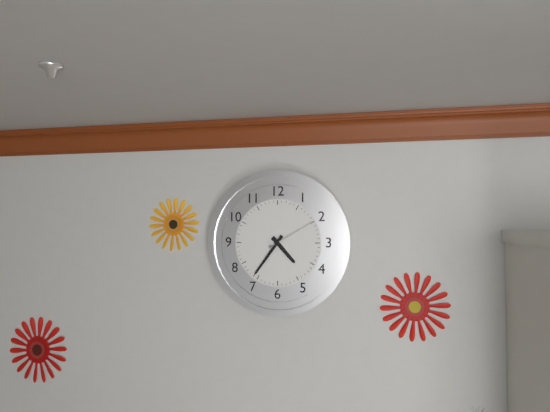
4:36:10
